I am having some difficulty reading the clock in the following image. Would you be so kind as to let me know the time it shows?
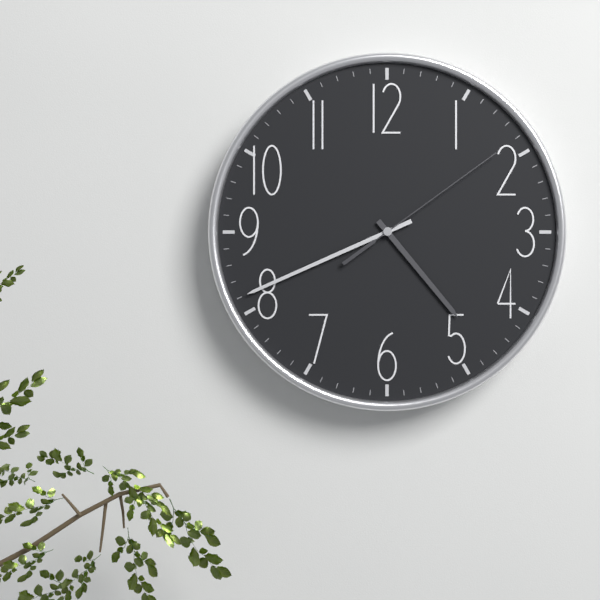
4:41:09
